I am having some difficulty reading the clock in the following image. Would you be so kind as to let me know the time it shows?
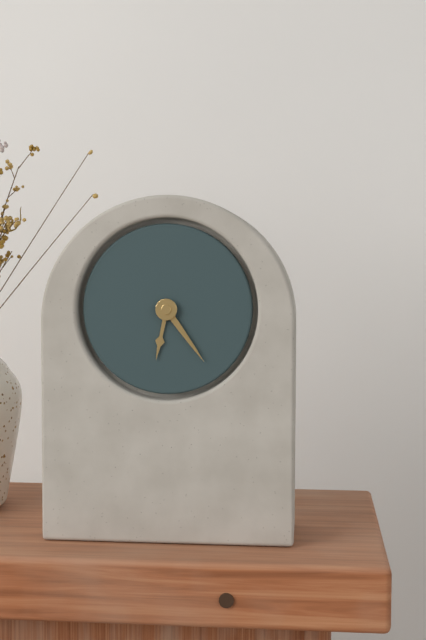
6:24
